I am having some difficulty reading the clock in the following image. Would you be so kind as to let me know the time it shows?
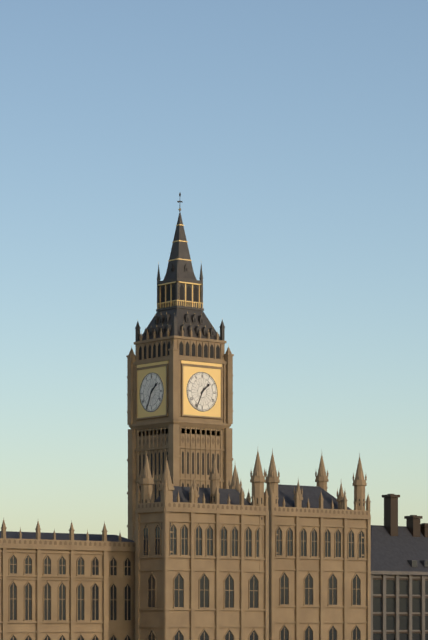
1:34
